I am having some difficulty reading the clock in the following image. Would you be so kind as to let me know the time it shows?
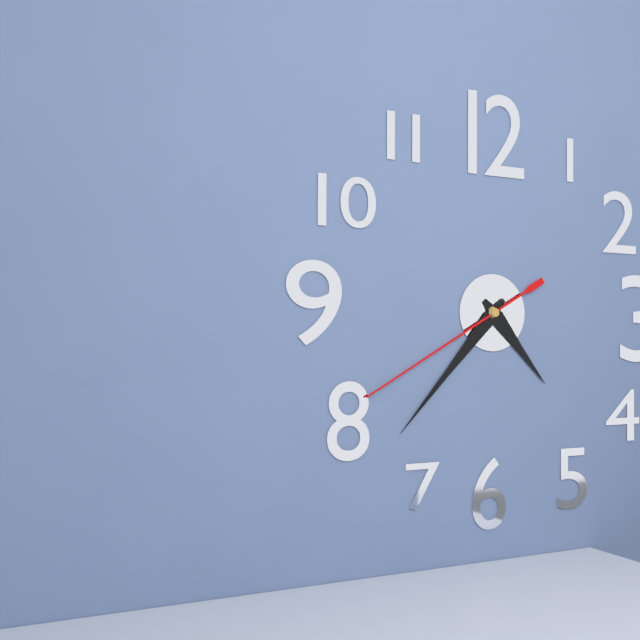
4:37:40
